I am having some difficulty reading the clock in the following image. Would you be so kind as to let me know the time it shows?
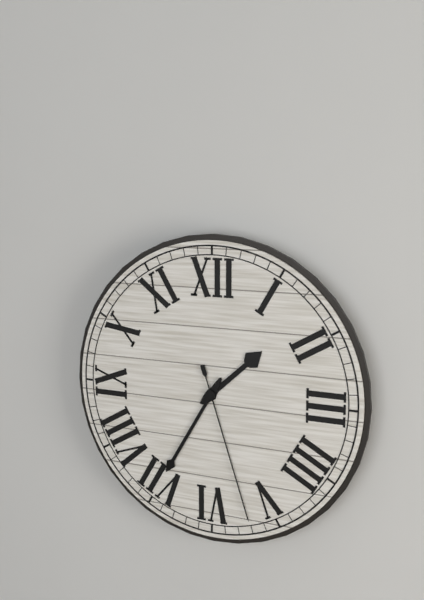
1:35:27
